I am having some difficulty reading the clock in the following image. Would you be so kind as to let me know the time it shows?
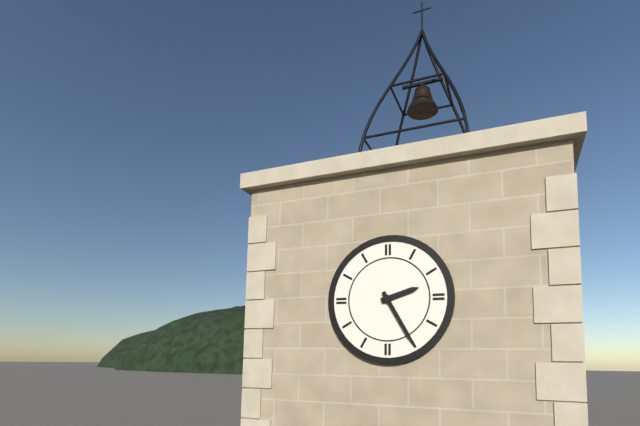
2:25
